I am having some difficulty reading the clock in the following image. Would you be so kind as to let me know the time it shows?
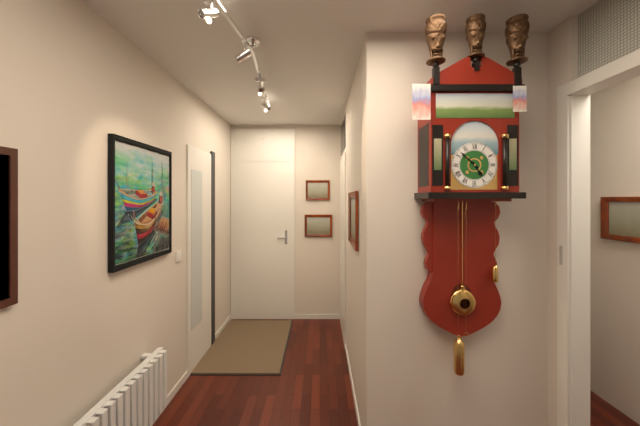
4:52
